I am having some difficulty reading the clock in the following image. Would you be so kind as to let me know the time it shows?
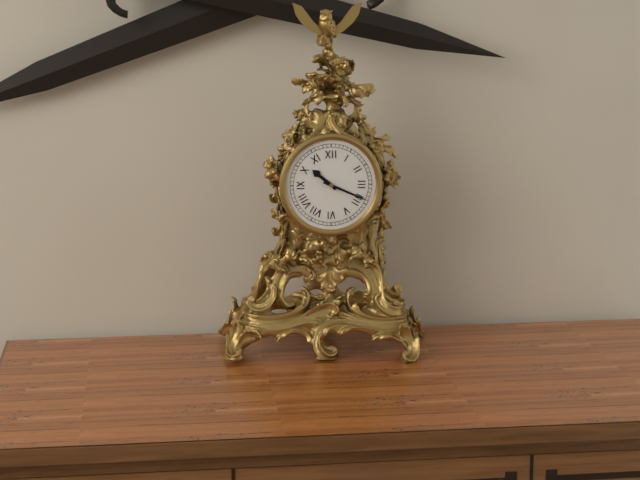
10:19
